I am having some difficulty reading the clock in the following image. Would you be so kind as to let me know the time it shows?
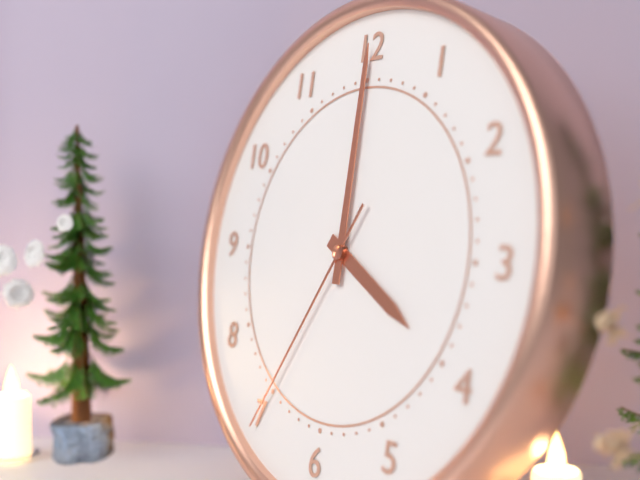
4:00:35
